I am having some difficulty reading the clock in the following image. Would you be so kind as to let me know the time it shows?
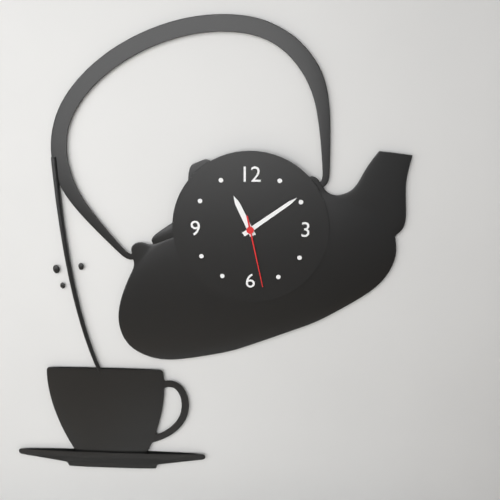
11:09:28
